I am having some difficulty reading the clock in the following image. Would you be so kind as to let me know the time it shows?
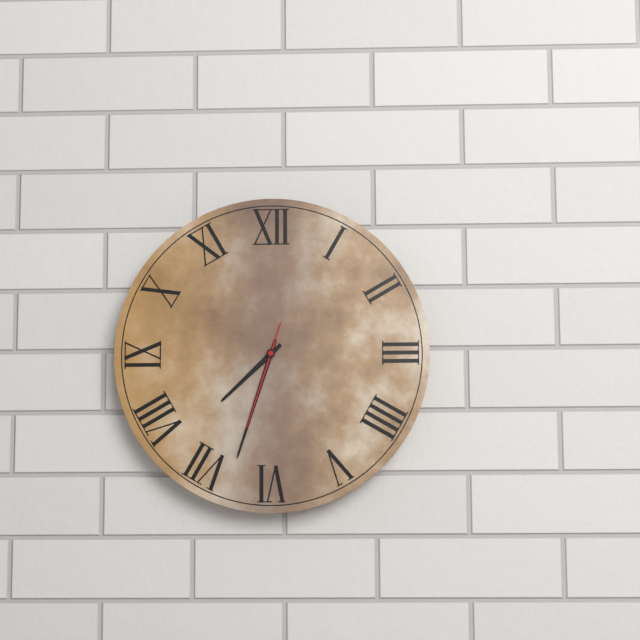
7:33:33
